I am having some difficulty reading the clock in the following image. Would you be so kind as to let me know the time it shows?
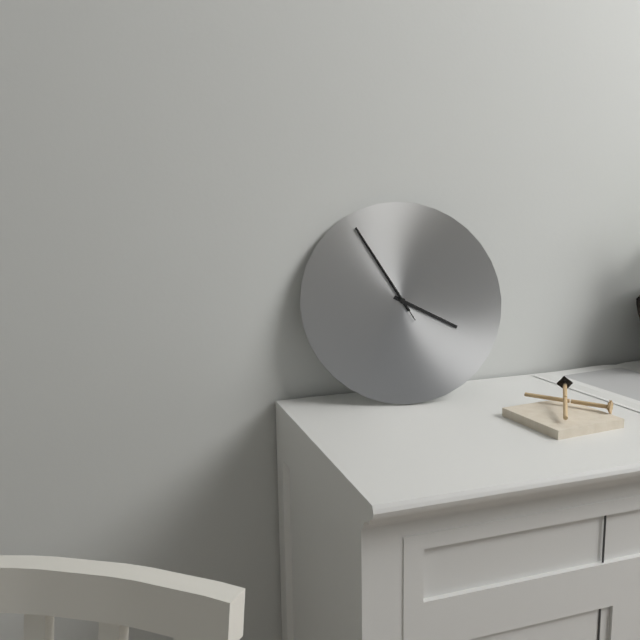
3:55:55
